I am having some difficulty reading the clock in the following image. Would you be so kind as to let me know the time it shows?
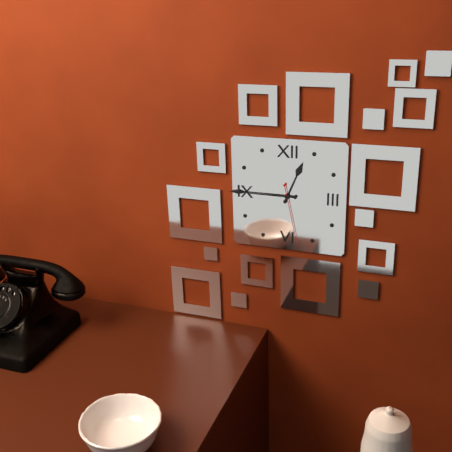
12:45:28
